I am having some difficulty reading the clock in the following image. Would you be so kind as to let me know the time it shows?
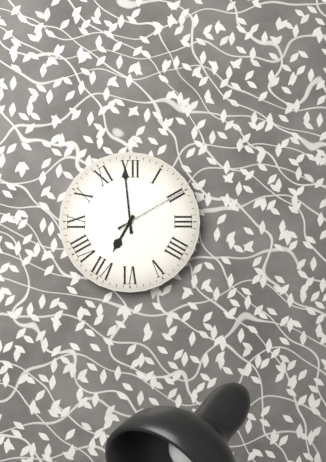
6:59:10
